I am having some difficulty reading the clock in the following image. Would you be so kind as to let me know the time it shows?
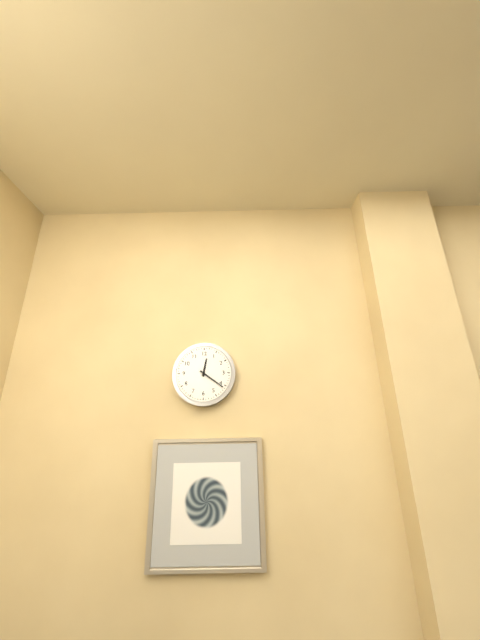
12:21
